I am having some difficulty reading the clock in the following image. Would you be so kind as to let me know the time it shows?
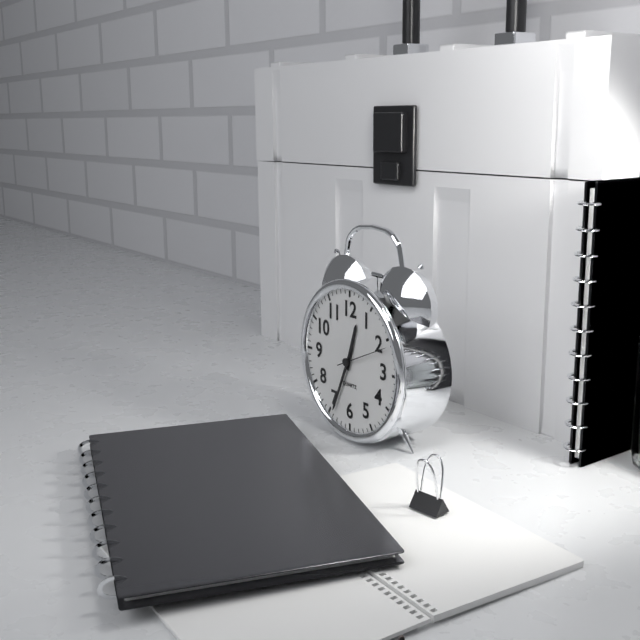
12:34:11
